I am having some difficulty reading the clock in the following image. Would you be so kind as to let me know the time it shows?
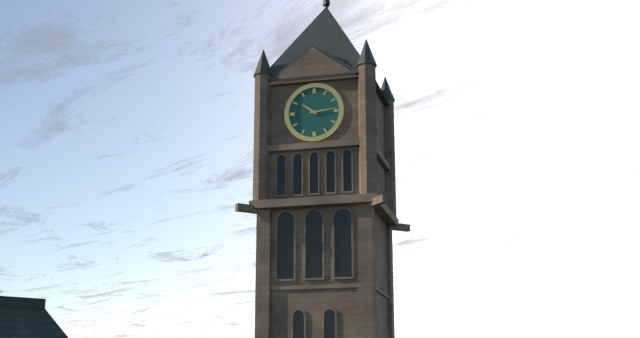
10:14
